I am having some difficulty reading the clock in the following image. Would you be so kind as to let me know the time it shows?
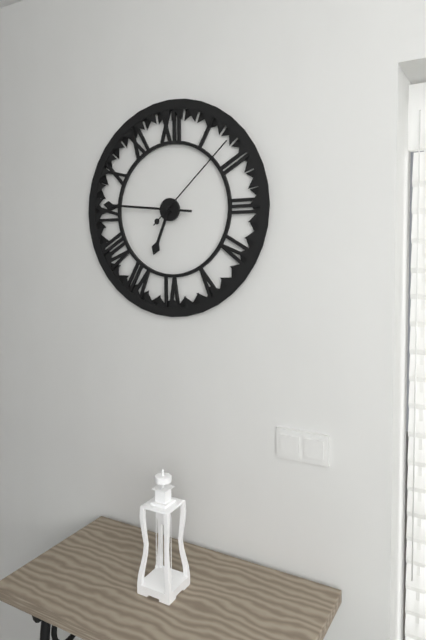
6:46:08
